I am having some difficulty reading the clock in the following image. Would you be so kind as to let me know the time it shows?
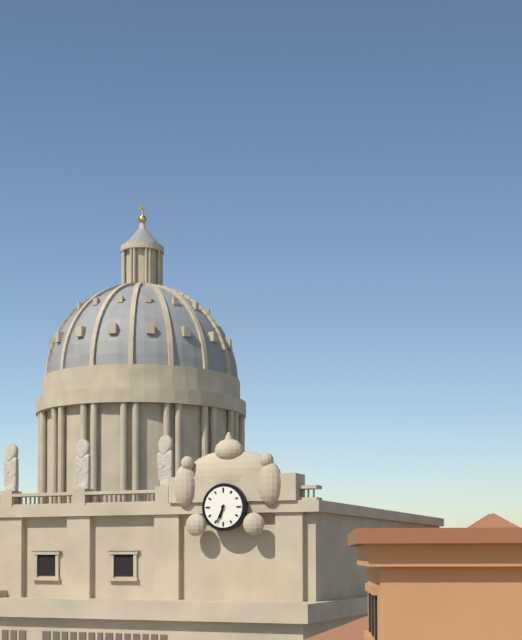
6:34
